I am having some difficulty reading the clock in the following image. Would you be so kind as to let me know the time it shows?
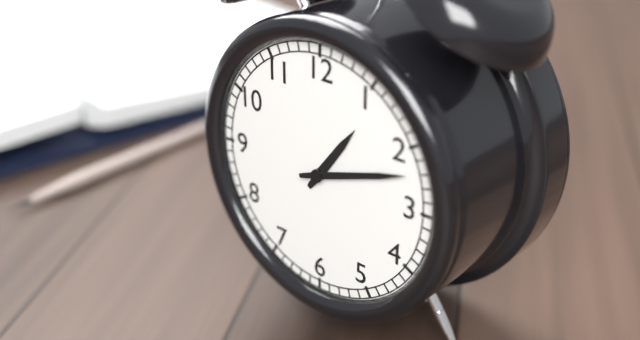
1:12
